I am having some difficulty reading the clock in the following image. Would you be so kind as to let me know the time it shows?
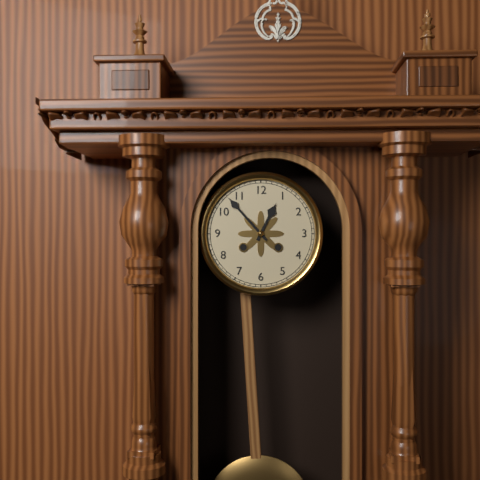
12:53
